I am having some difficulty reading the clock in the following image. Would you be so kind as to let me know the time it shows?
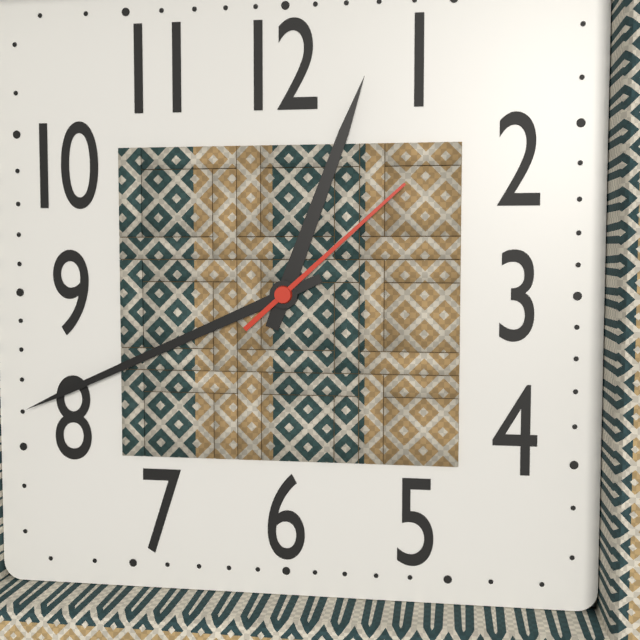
12:41:08
